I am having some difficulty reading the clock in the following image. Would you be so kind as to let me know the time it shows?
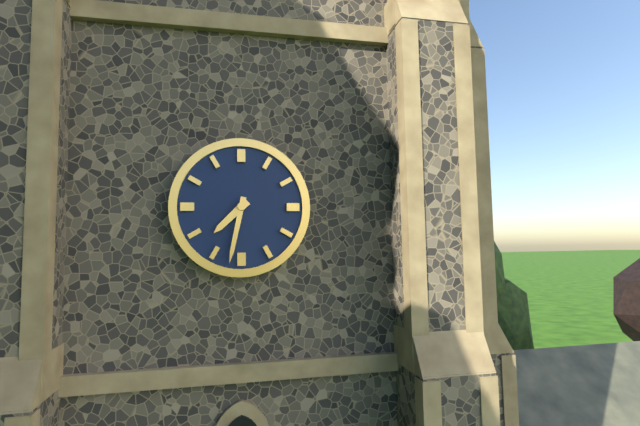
7:32
